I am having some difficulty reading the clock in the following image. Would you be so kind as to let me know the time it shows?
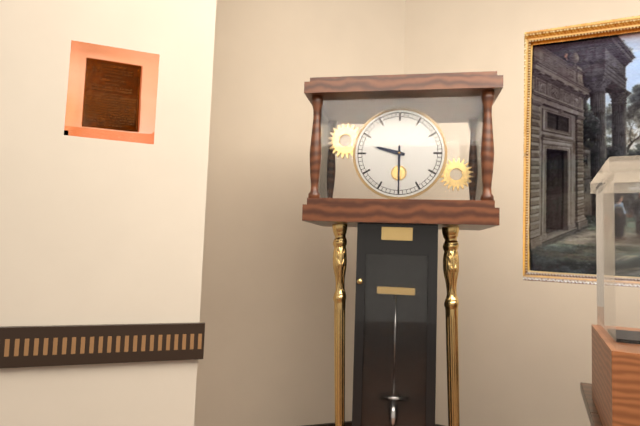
9:30
